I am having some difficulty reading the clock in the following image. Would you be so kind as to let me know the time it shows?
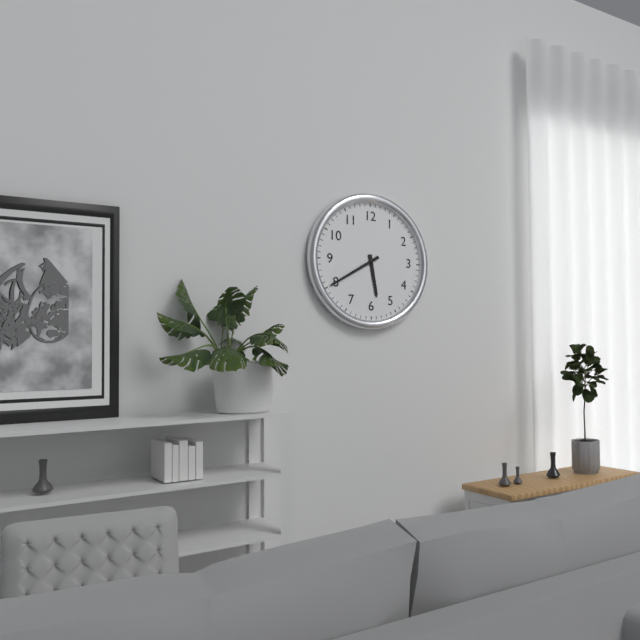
5:40
